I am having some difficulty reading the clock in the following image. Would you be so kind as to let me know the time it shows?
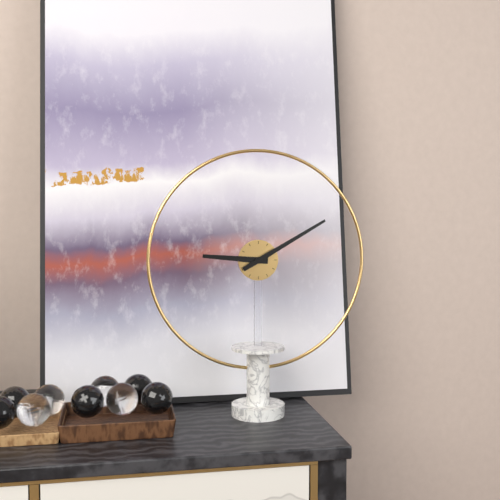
9:10
